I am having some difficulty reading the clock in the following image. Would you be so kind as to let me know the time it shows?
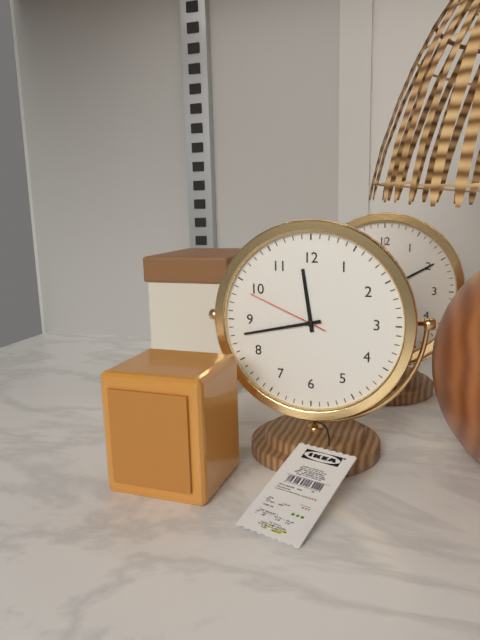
11:43:49
